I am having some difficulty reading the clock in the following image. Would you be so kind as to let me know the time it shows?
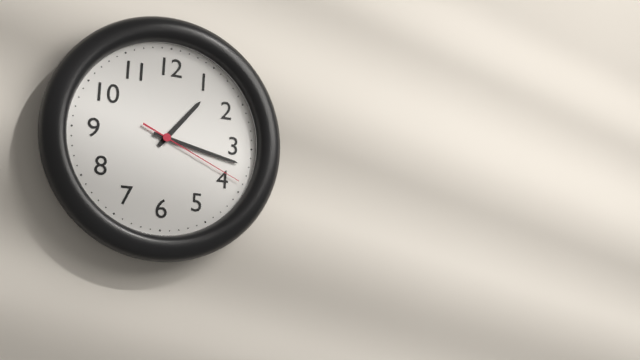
1:17:19
